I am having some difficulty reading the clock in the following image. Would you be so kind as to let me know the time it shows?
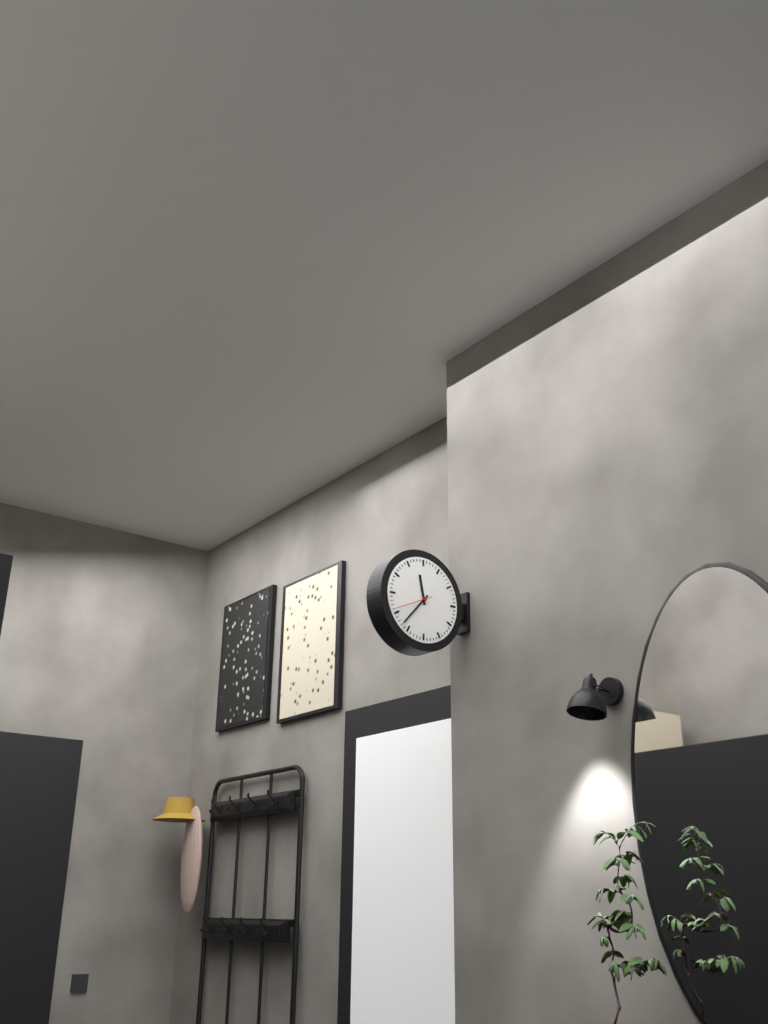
11:37
